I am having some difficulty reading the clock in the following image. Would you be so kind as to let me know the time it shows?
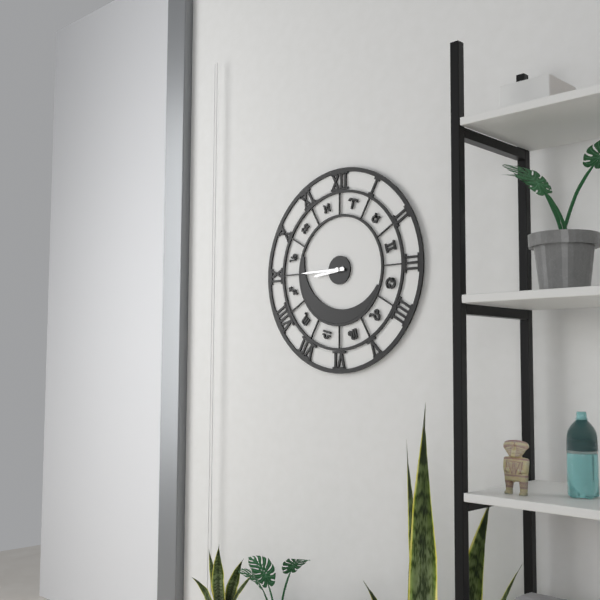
8:45
